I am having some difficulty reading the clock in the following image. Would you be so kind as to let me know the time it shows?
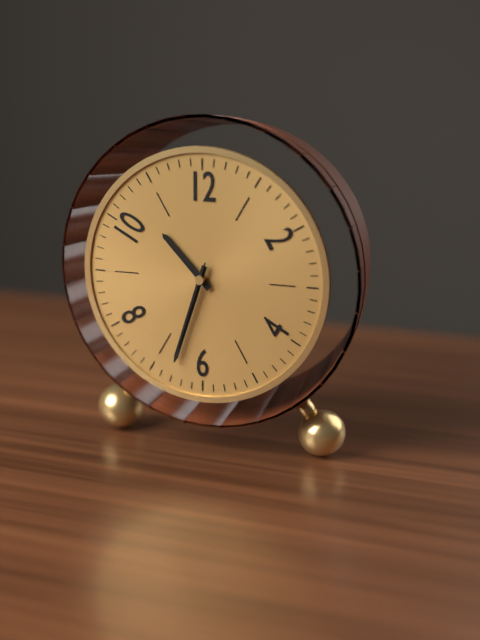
10:33:33
